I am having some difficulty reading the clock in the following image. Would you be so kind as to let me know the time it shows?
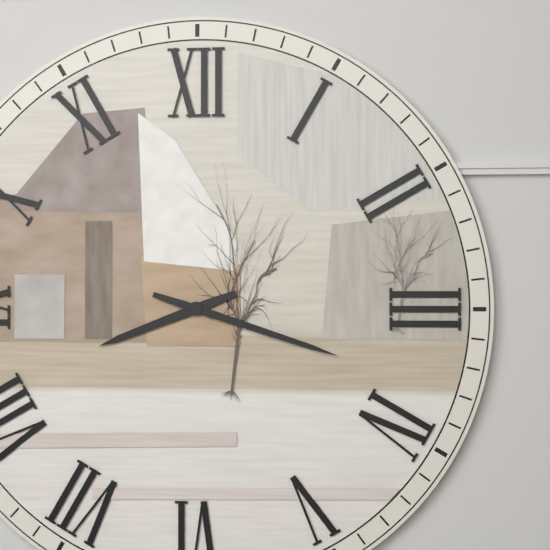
8:18
